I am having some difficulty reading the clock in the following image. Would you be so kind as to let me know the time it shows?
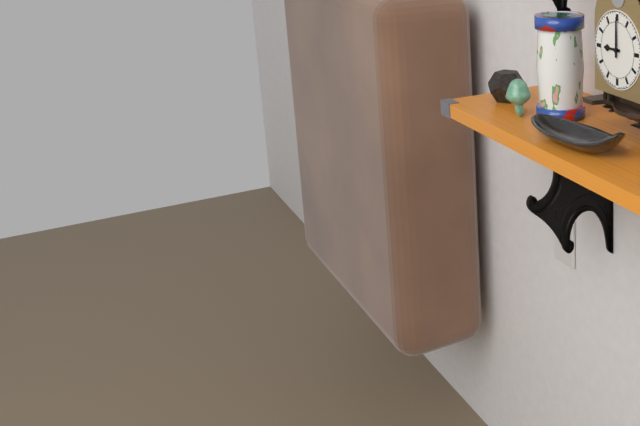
9:00
